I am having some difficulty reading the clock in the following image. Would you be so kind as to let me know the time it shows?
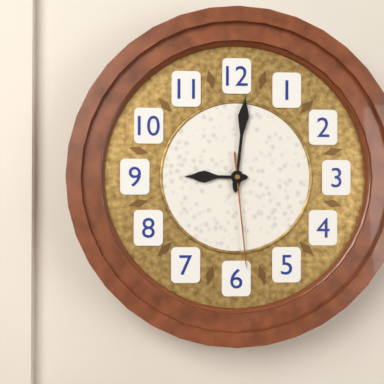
9:01:29
